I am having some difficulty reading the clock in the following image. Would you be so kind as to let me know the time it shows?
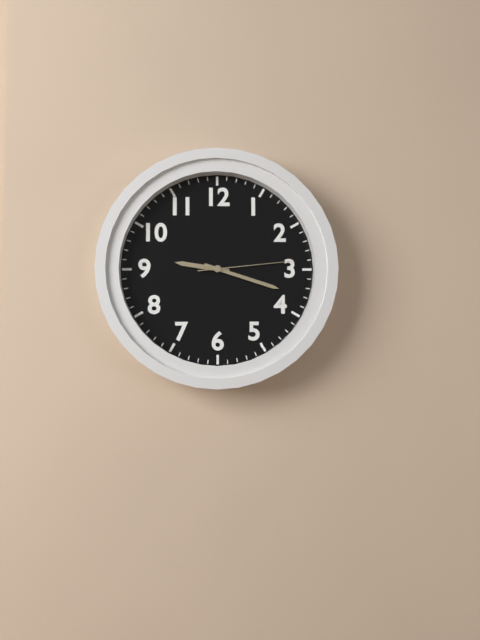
9:18:14
